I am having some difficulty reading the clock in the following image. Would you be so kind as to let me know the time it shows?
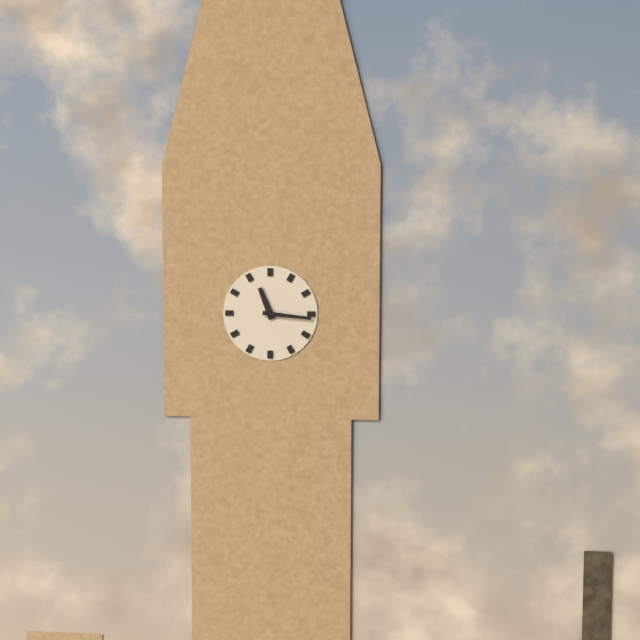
11:16
